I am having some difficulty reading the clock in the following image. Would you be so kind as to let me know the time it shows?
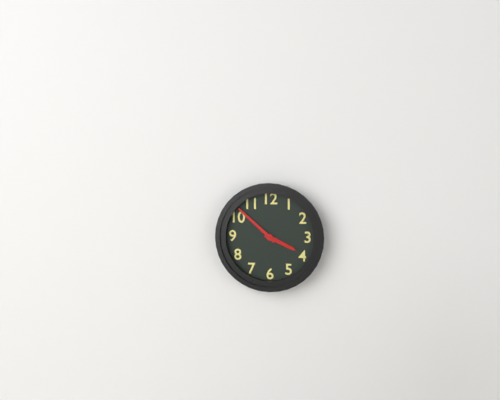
3:52
